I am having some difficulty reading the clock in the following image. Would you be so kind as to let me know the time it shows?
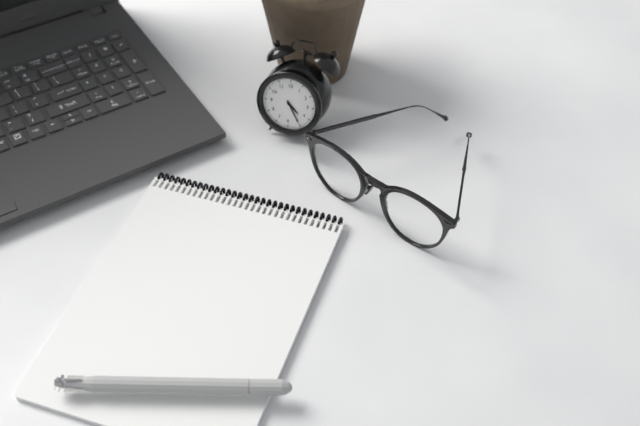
4:25
